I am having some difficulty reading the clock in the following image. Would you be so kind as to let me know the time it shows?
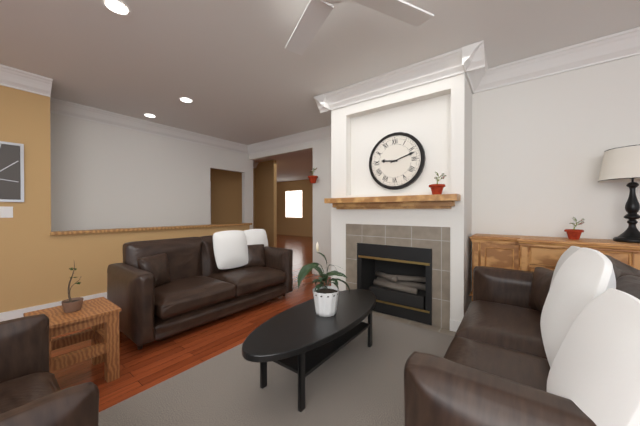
9:12
